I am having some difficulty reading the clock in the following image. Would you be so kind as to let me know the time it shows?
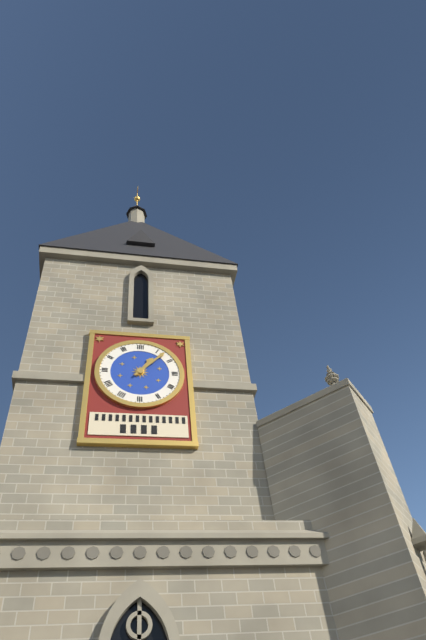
1:07
